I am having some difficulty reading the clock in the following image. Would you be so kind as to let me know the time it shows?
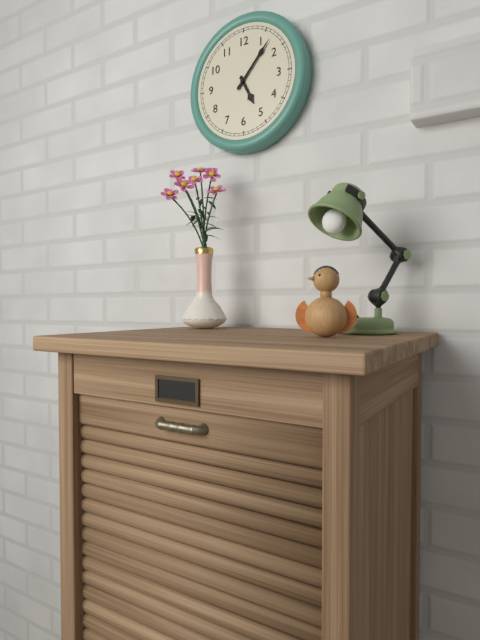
5:07
